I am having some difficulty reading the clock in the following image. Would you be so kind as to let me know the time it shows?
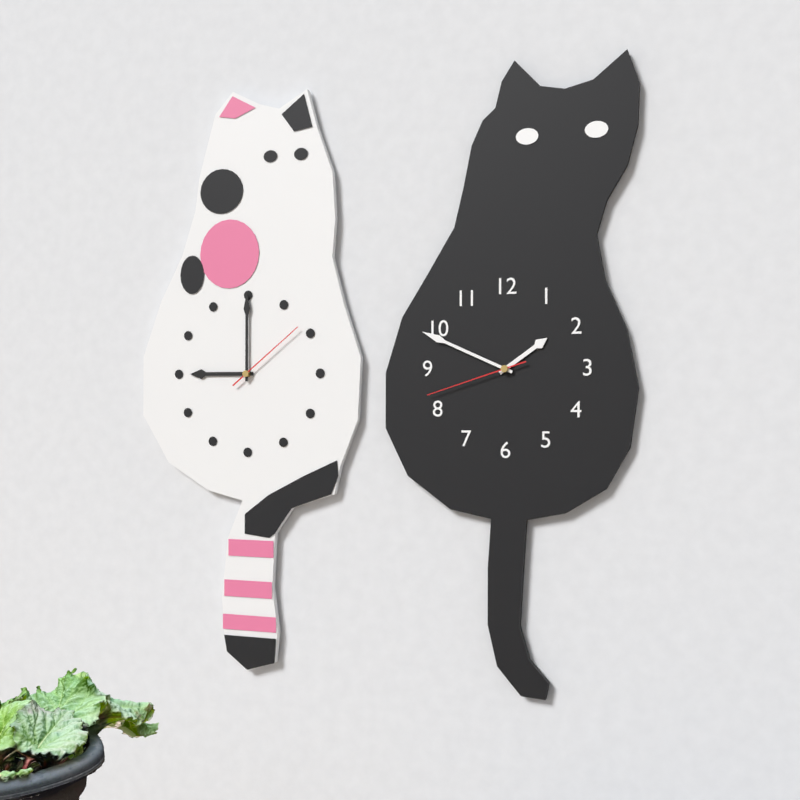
1:49:42
